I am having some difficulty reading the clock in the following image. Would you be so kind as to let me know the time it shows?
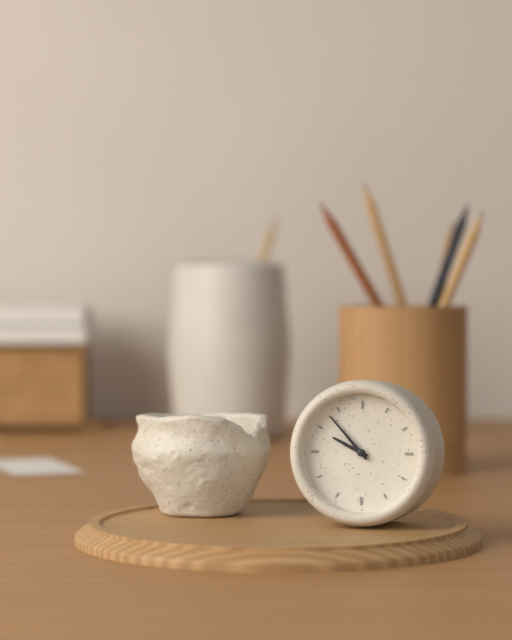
9:53
